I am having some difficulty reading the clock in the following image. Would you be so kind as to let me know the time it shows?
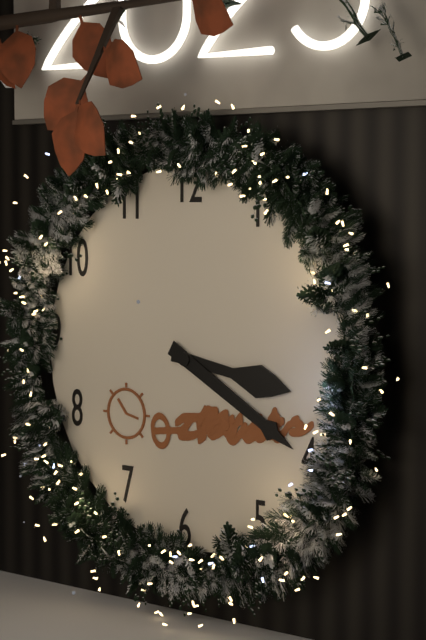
3:20
